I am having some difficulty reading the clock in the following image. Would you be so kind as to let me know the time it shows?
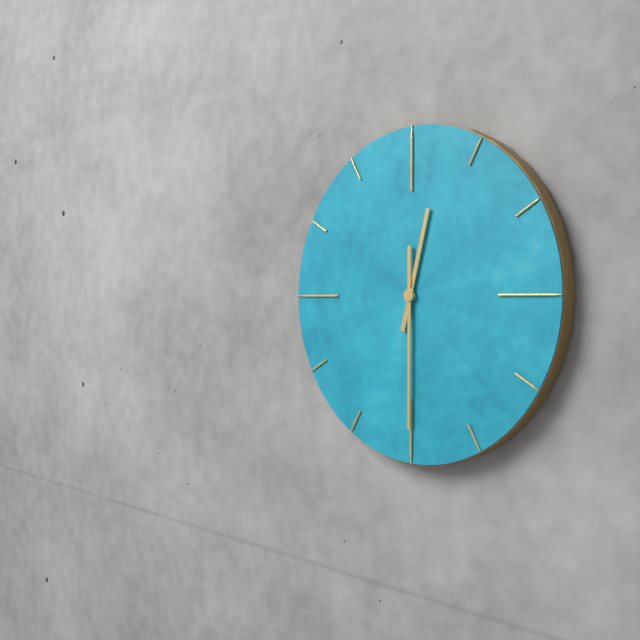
12:30
